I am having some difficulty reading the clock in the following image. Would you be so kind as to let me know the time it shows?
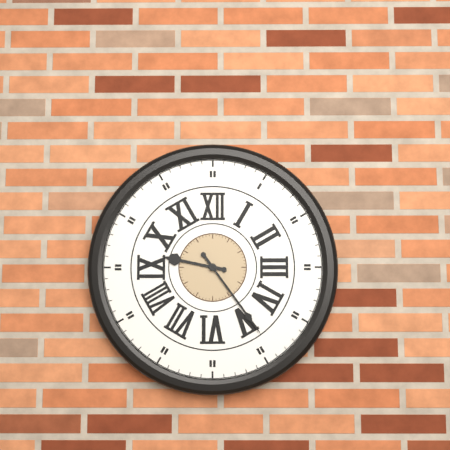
9:24
